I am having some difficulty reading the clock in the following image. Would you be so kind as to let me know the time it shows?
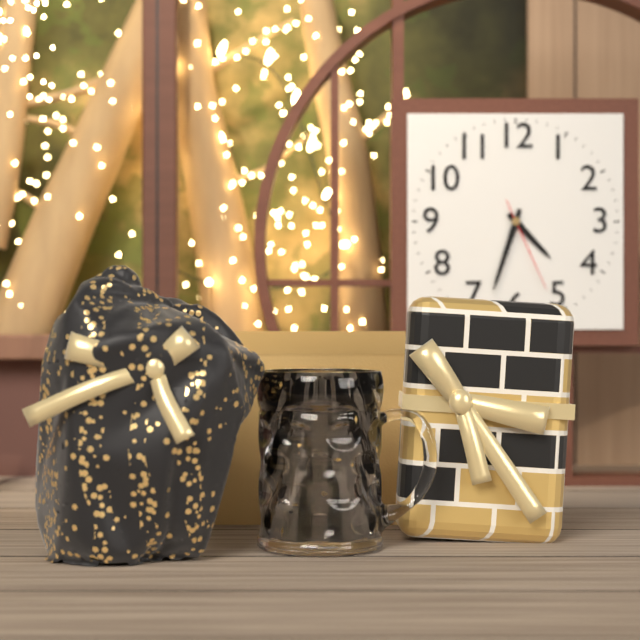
4:33:26
